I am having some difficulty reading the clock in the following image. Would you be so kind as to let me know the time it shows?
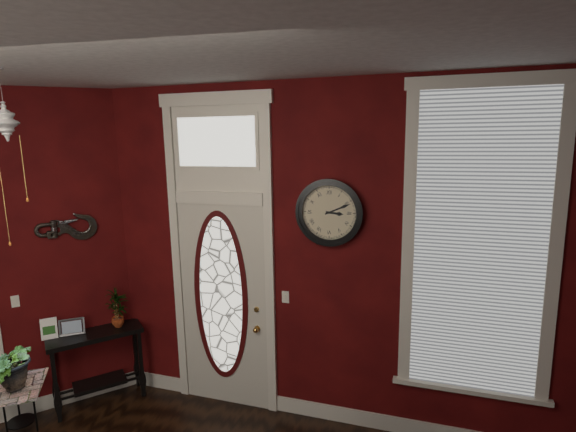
3:11
